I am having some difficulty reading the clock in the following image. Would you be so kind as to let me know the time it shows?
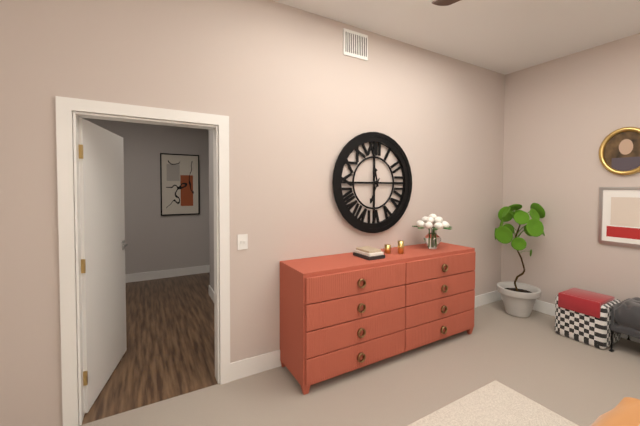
11:34
